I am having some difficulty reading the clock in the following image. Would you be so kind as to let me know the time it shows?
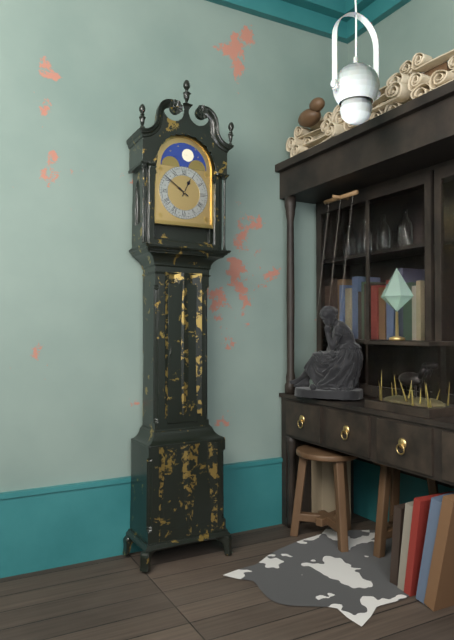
12:51
